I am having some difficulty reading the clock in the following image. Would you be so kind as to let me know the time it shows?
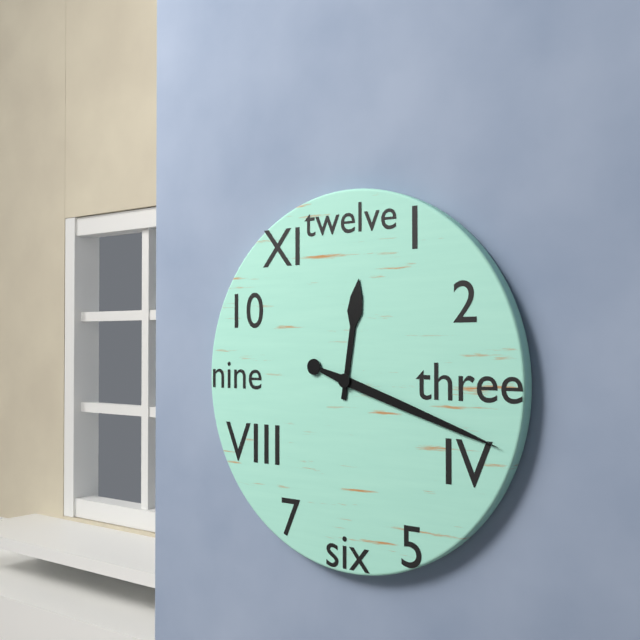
12:18
